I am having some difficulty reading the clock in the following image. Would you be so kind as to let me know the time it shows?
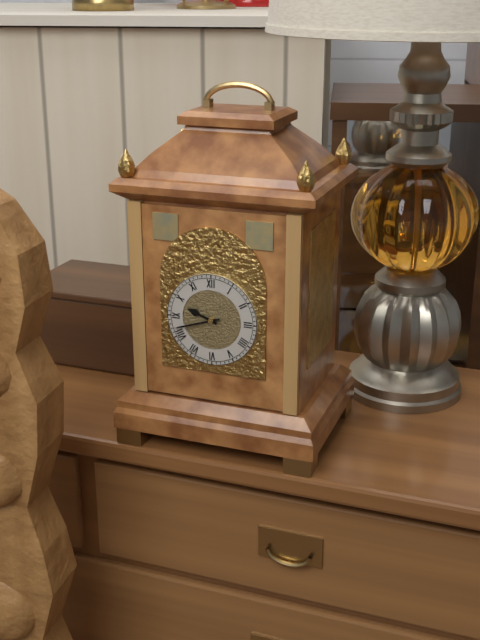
9:42
